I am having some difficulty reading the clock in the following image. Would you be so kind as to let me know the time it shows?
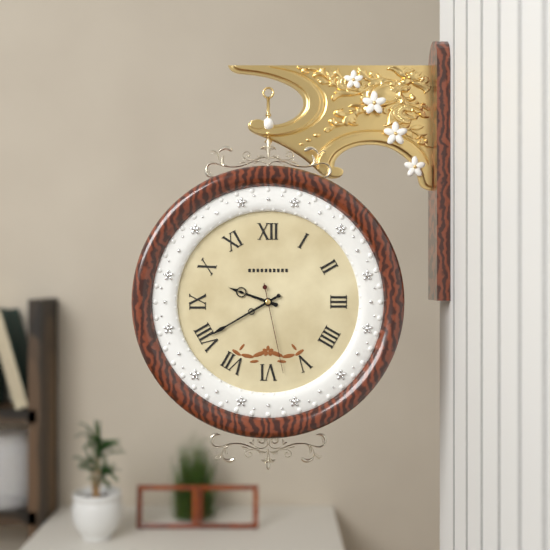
9:40:28
